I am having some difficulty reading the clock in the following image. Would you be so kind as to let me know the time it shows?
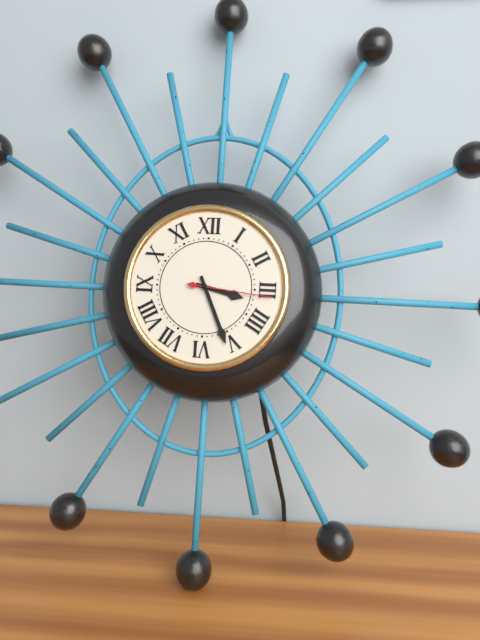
3:26:16
